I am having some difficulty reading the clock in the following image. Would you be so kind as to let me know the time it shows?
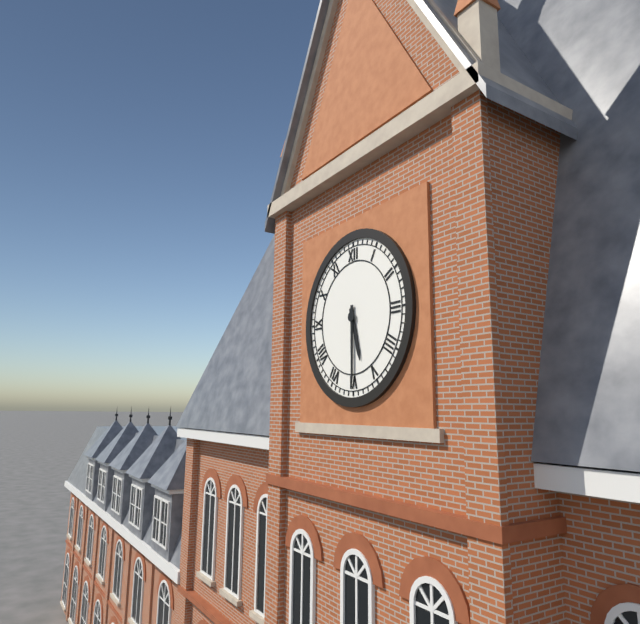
5:30
